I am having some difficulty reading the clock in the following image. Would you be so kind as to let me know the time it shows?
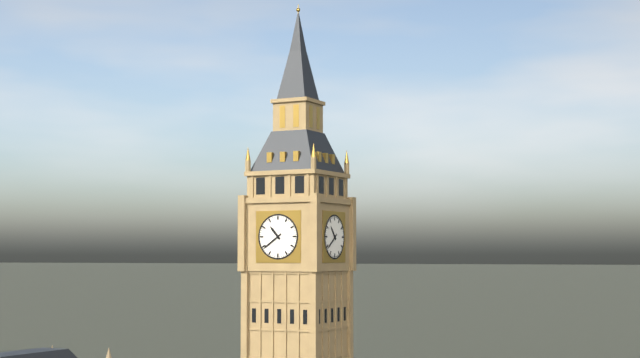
10:39
